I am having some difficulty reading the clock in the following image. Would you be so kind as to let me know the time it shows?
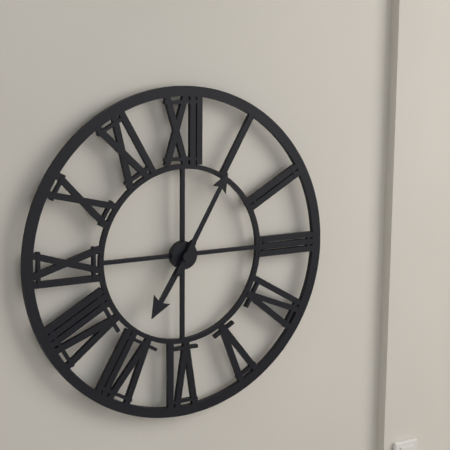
7:05
